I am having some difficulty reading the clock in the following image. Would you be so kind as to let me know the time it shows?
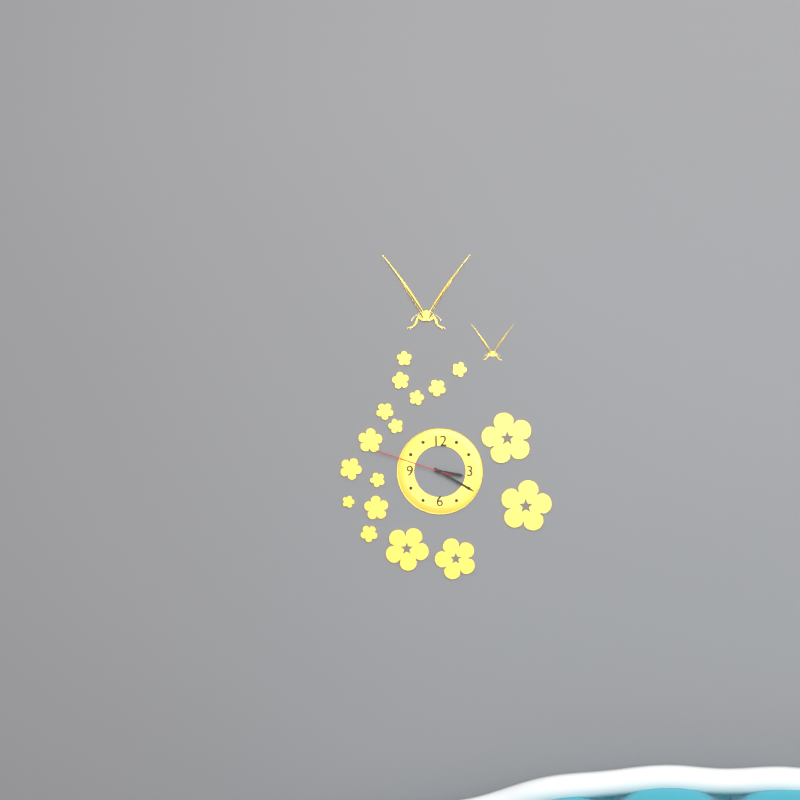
3:20:48
